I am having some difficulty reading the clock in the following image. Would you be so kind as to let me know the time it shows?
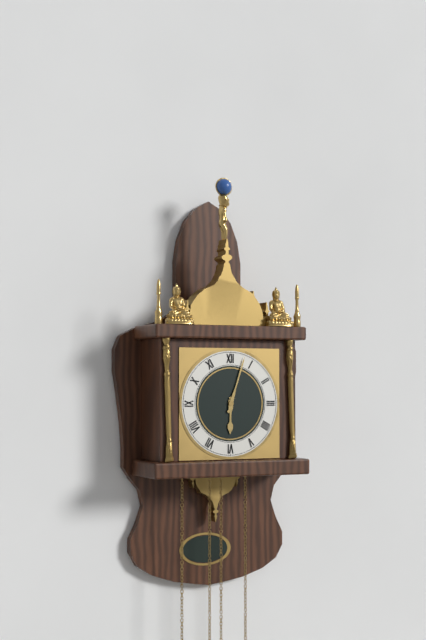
6:03
